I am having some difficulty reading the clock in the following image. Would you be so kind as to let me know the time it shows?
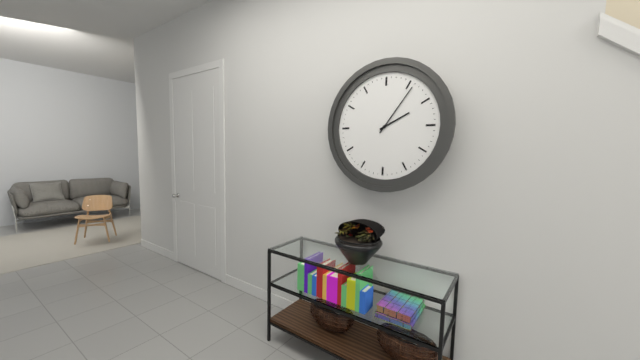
2:06
